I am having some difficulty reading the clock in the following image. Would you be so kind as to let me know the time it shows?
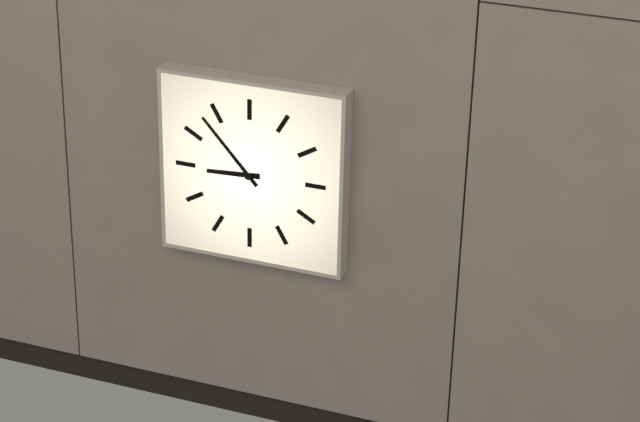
8:53
